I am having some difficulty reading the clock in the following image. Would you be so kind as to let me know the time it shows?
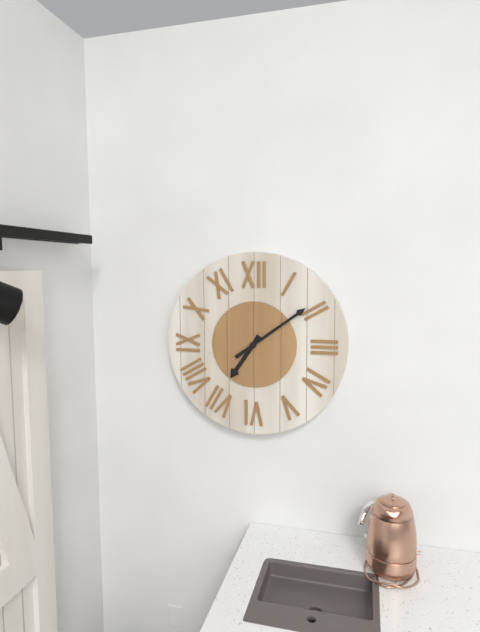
7:09
